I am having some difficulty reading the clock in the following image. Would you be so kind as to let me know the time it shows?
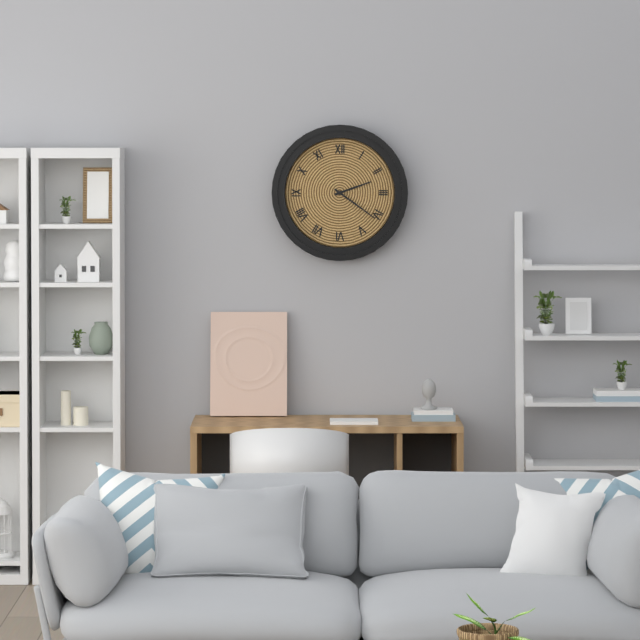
2:21
